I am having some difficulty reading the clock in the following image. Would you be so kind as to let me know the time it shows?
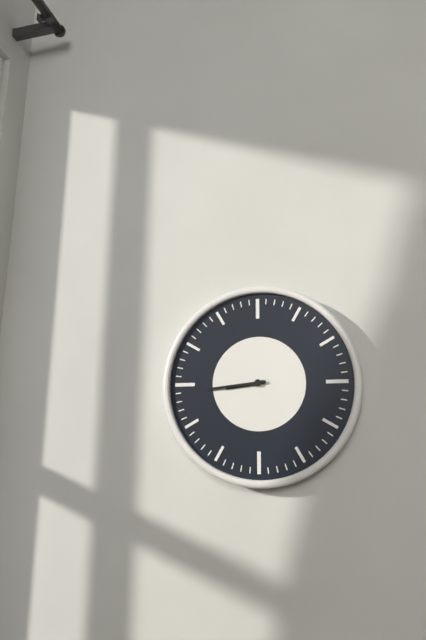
8:44
